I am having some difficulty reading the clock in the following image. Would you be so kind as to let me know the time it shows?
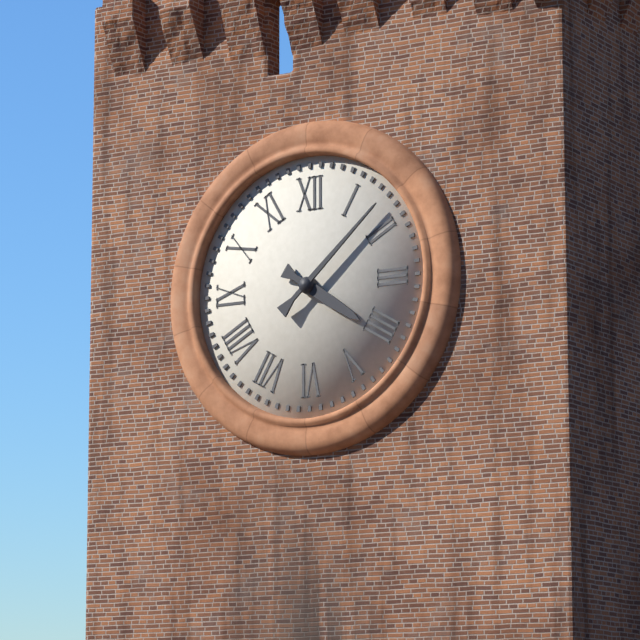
4:08
